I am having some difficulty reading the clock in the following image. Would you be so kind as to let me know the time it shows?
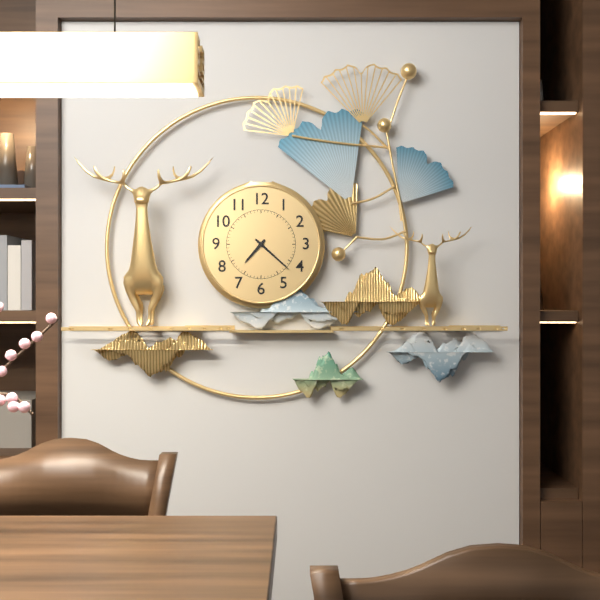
7:22
